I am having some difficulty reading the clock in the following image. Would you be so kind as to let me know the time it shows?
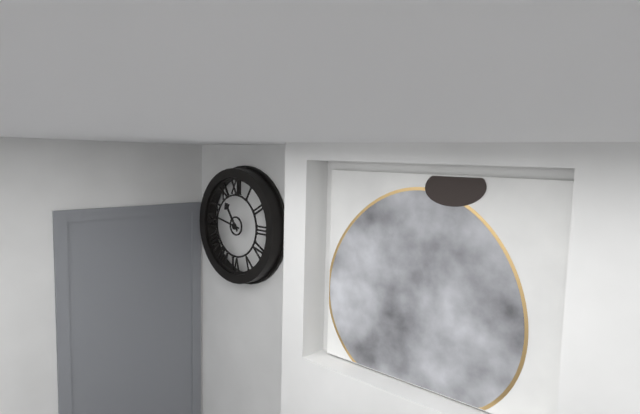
10:47
